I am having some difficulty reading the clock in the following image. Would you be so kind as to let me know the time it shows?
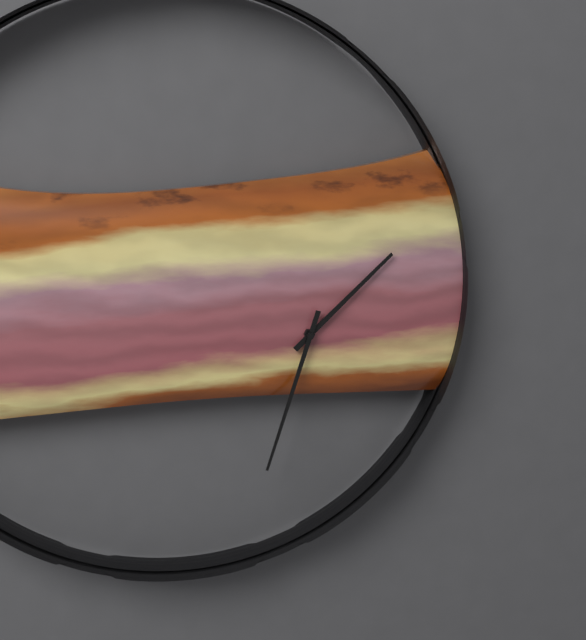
1:33
